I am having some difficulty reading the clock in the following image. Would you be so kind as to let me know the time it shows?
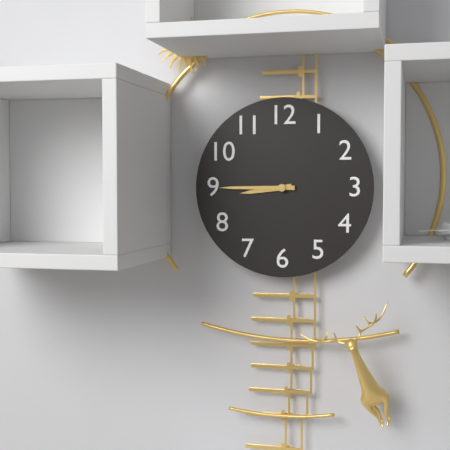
8:45
